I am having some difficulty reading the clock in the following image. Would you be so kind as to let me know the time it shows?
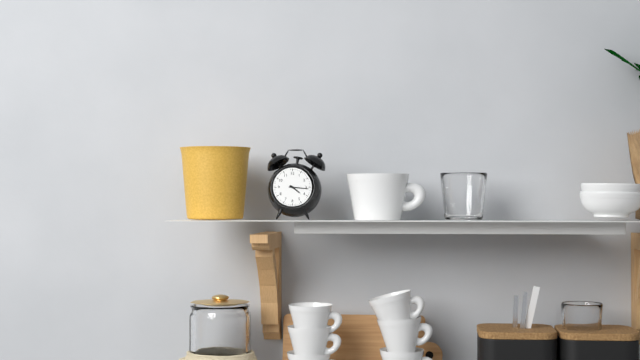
4:16
